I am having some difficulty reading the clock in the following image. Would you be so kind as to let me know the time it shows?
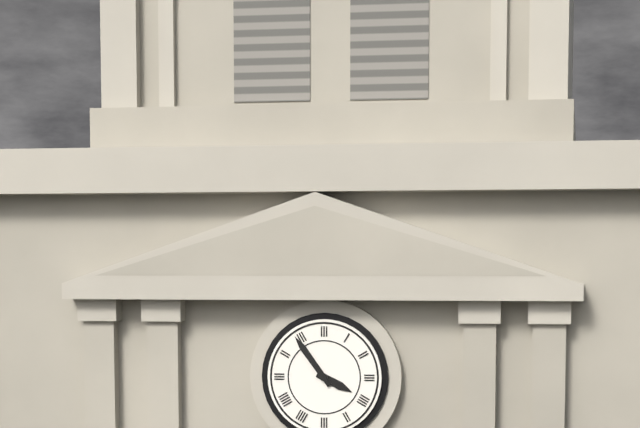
3:54
